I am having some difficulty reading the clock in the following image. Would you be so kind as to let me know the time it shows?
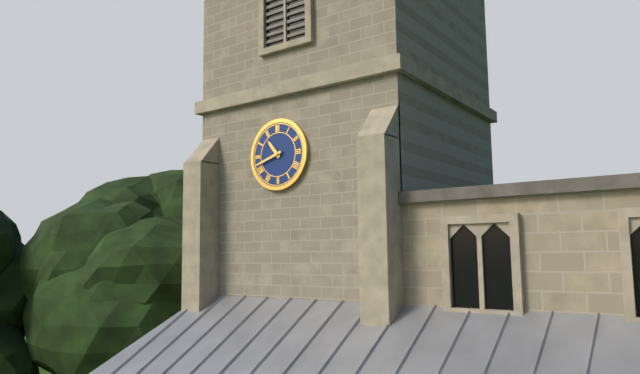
10:42
